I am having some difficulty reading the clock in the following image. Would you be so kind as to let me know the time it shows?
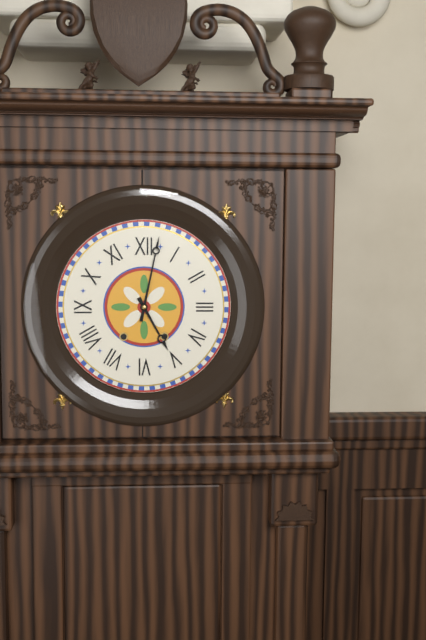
5:02
